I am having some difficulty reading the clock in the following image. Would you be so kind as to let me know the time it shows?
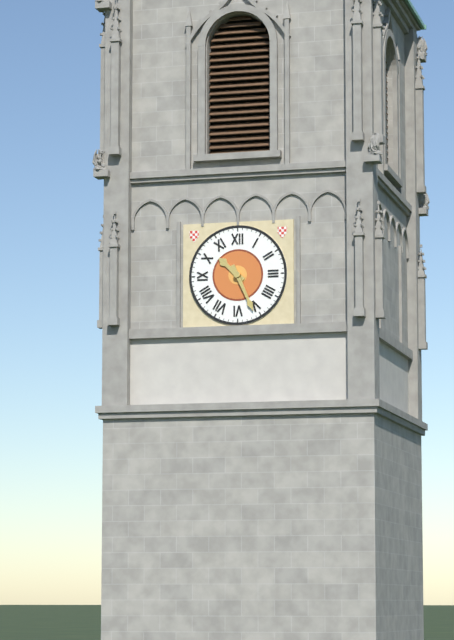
10:26
